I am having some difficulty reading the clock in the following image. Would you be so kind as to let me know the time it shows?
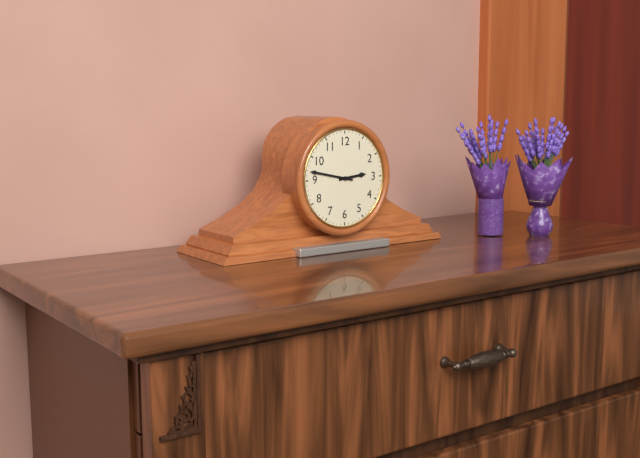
2:47
